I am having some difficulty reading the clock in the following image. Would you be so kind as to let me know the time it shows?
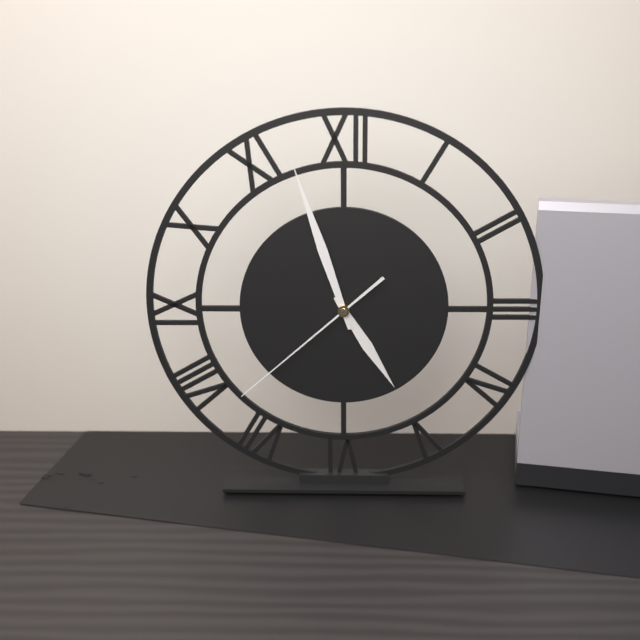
4:57:38
